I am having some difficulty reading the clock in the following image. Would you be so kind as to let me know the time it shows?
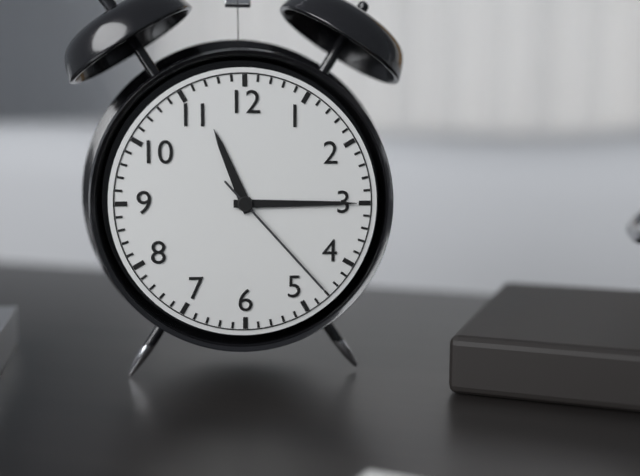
11:15:23
